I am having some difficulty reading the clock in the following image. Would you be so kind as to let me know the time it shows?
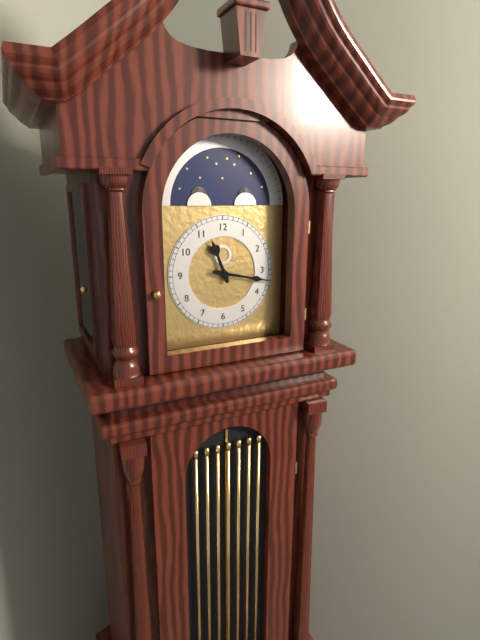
11:17
